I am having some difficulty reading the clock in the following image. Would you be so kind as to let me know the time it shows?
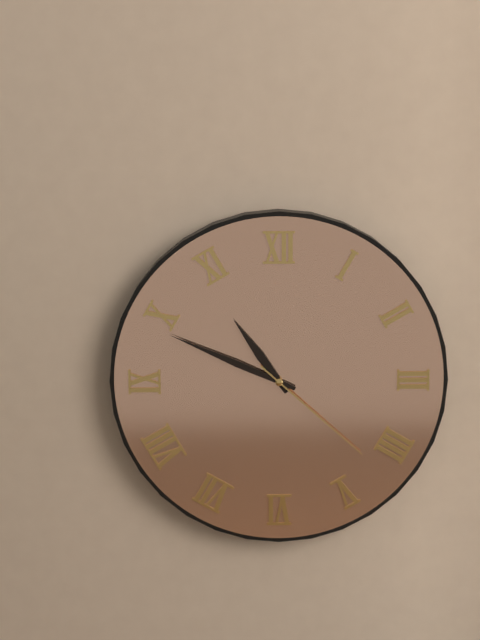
10:49:22
